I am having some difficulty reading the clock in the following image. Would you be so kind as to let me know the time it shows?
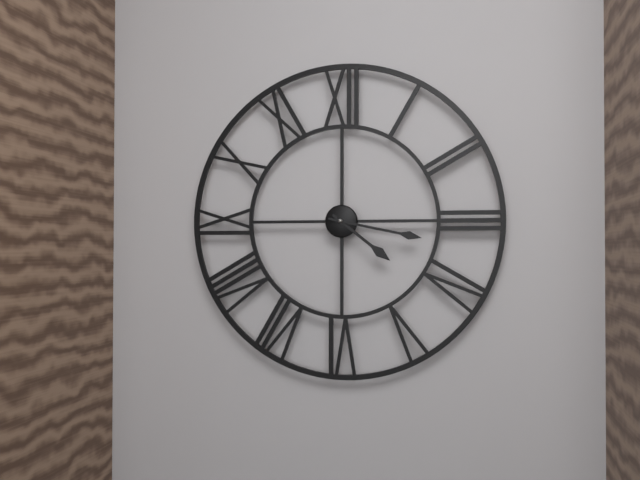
4:17
